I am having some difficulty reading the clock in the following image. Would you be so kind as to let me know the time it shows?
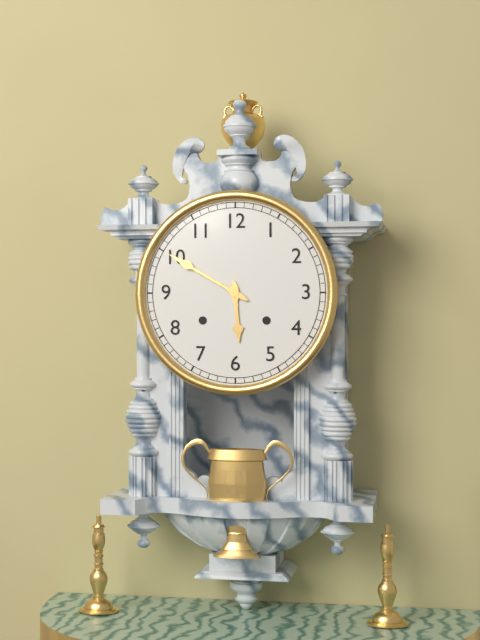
5:50
